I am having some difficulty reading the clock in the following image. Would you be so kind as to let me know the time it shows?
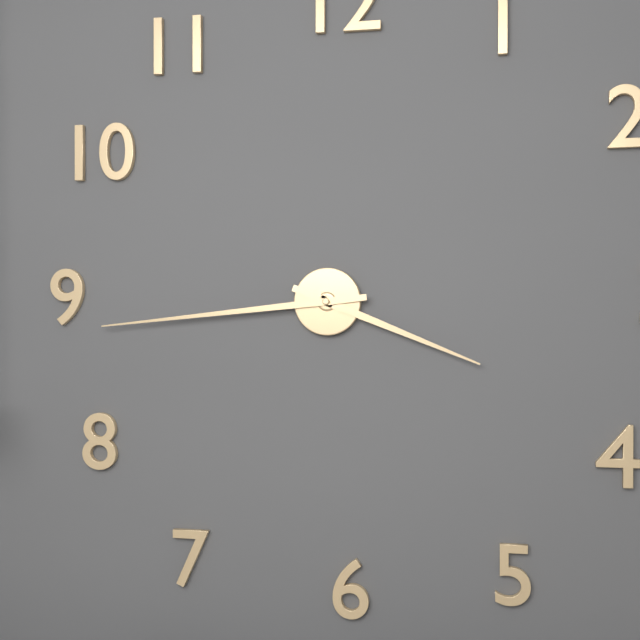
3:44
